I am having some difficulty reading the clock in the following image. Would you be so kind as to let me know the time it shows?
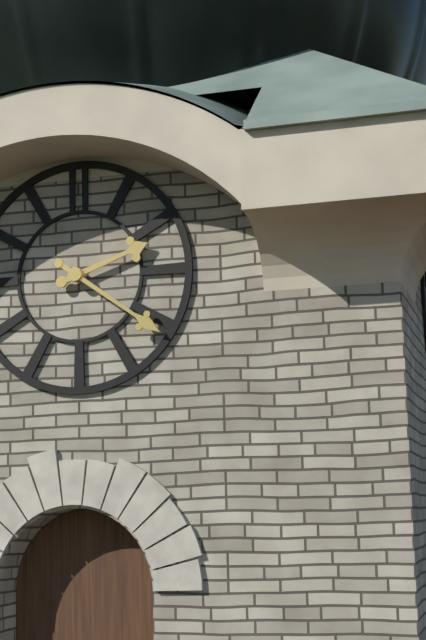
2:21
